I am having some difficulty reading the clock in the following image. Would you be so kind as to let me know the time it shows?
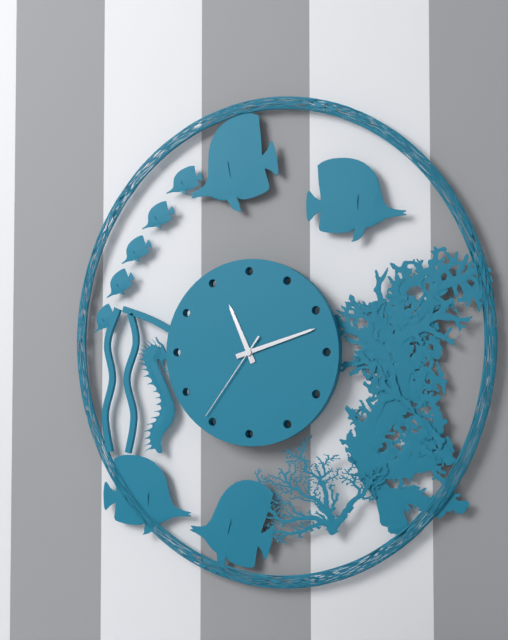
11:12:36
